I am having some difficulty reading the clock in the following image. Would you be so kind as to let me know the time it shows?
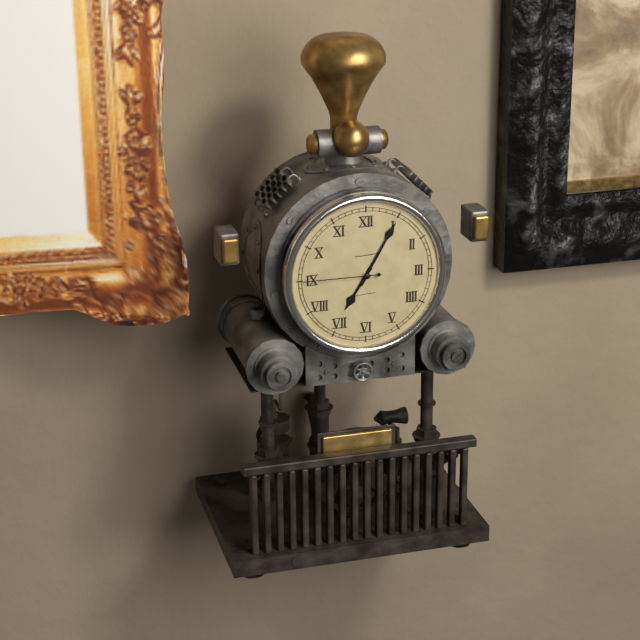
7:05:45
